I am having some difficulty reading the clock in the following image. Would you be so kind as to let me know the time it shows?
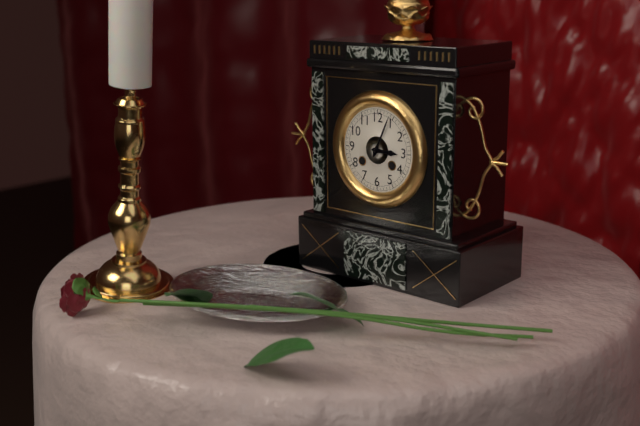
3:04
